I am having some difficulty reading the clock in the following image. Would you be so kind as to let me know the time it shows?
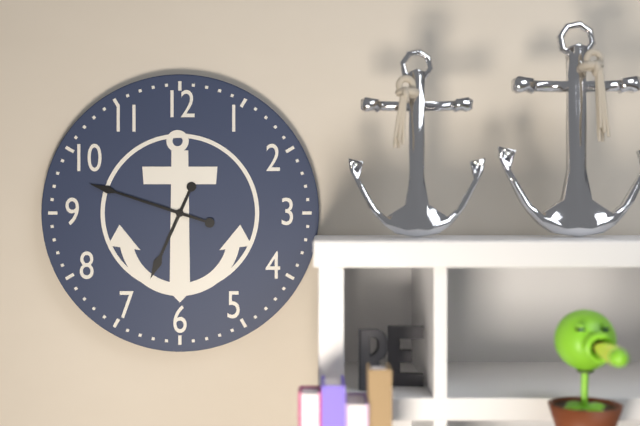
6:48
